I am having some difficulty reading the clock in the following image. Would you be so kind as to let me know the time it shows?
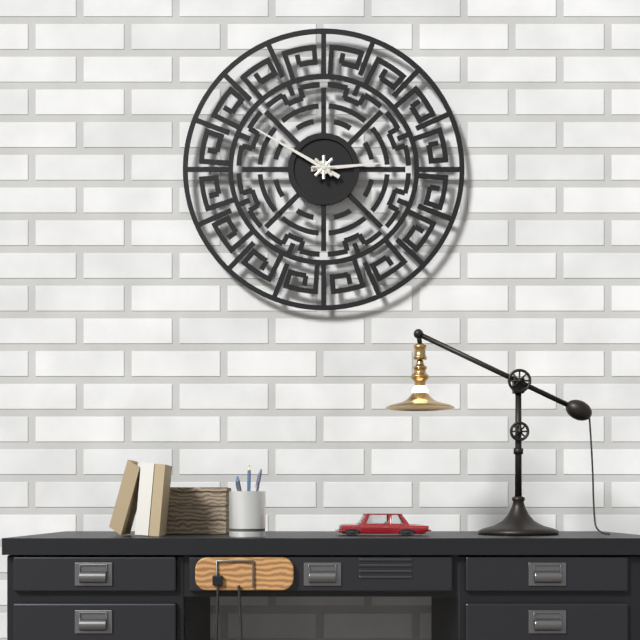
2:50
